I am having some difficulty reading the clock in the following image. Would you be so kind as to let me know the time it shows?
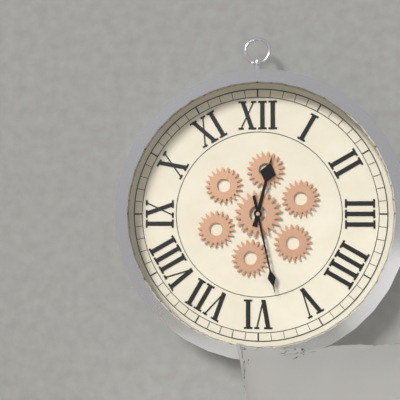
12:28
